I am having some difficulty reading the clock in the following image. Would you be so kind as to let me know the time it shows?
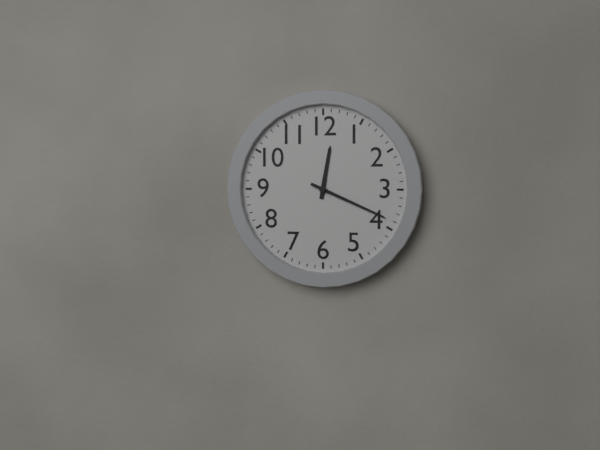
12:19
